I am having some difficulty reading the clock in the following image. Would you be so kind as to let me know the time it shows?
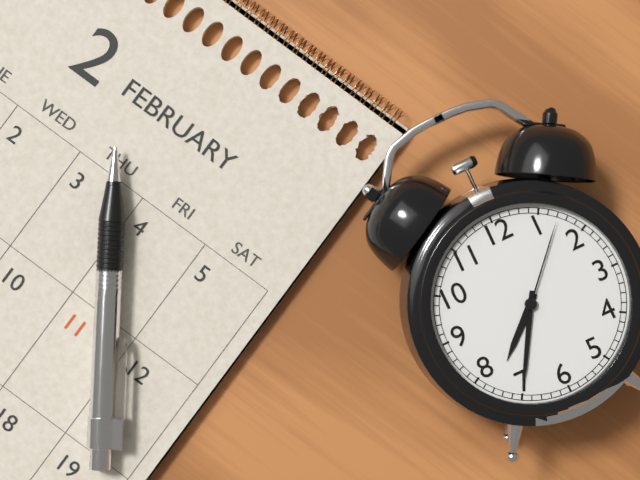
7:35:07
